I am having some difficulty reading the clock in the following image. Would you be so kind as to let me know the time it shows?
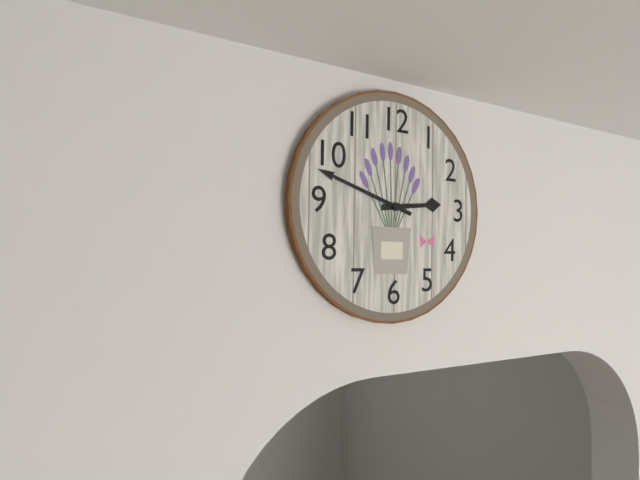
2:48
